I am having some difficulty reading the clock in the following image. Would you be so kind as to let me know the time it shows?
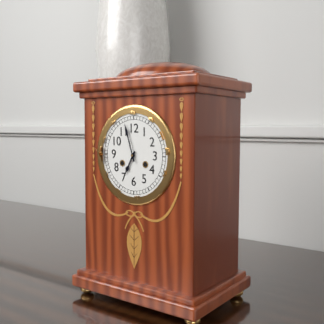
6:57
